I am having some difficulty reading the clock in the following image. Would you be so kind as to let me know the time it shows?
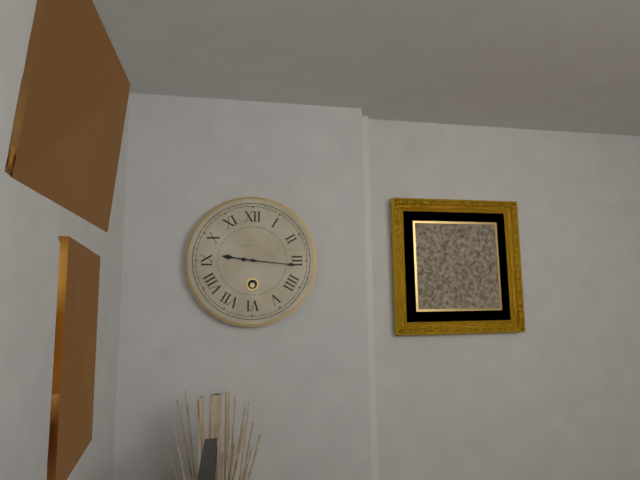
9:16
